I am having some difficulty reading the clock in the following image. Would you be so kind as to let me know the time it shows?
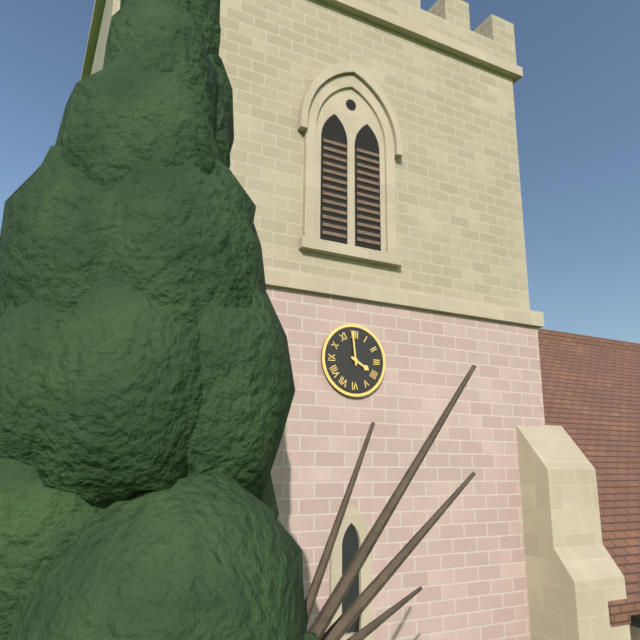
3:59
